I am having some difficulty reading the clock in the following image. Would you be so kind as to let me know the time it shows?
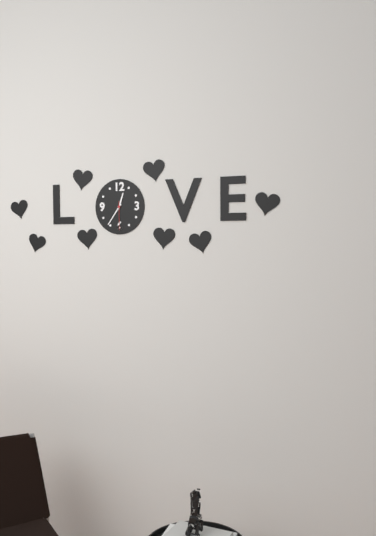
12:36
